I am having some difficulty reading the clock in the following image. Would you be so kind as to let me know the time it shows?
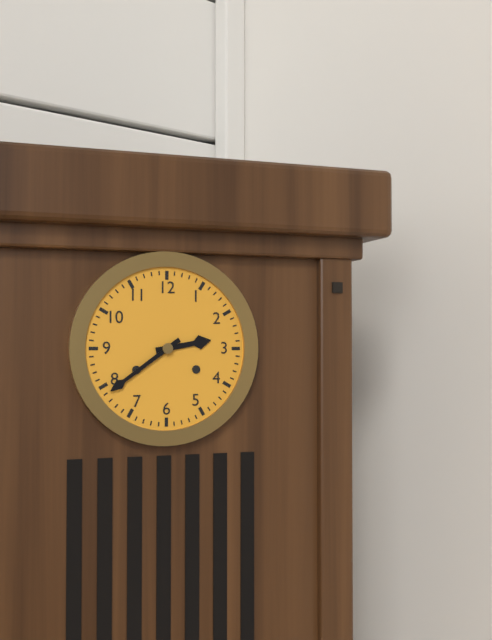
2:39
